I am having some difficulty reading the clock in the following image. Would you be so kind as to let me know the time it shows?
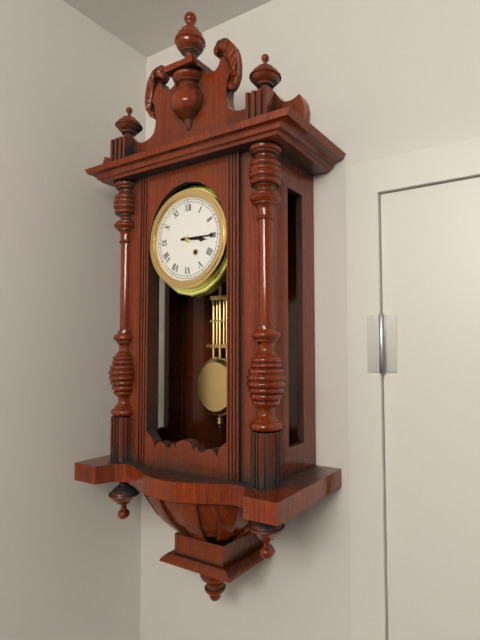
3:15
